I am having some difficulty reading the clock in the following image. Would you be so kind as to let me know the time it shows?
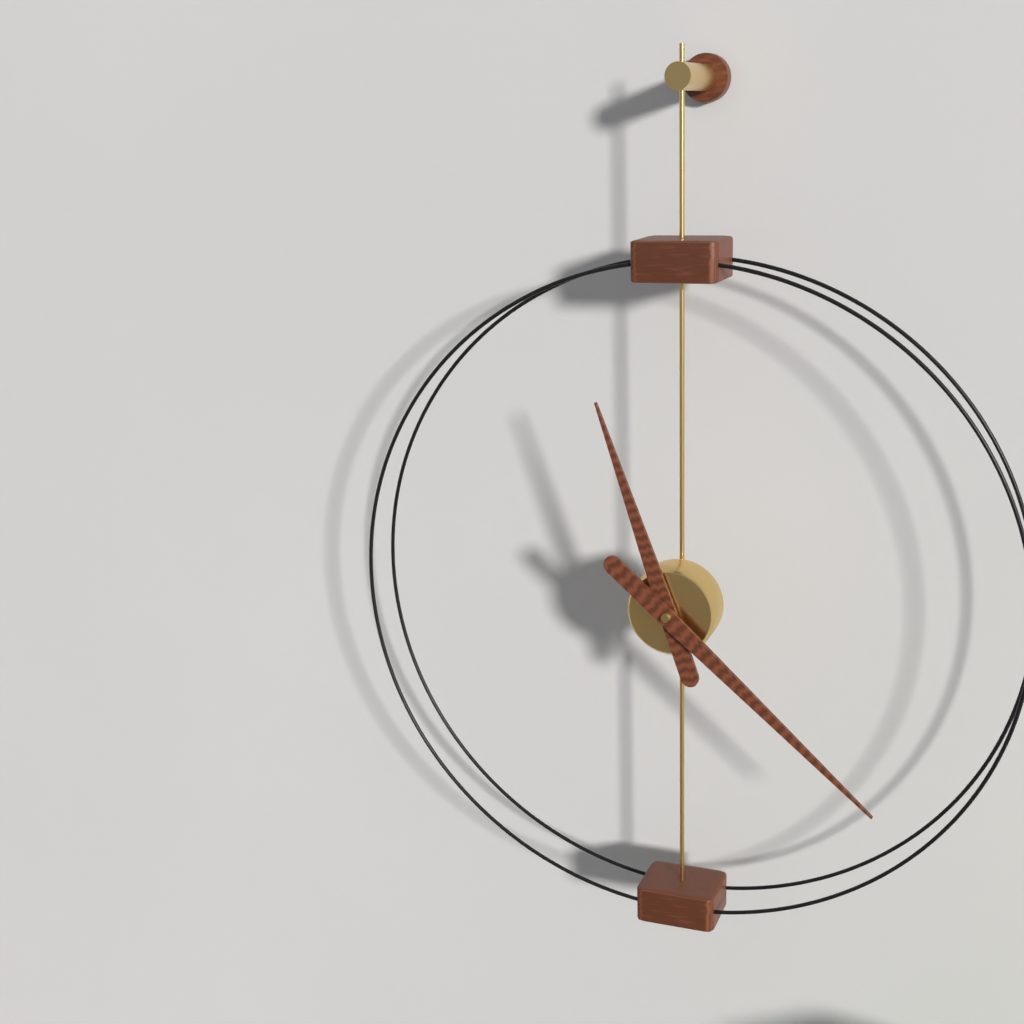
11:22
